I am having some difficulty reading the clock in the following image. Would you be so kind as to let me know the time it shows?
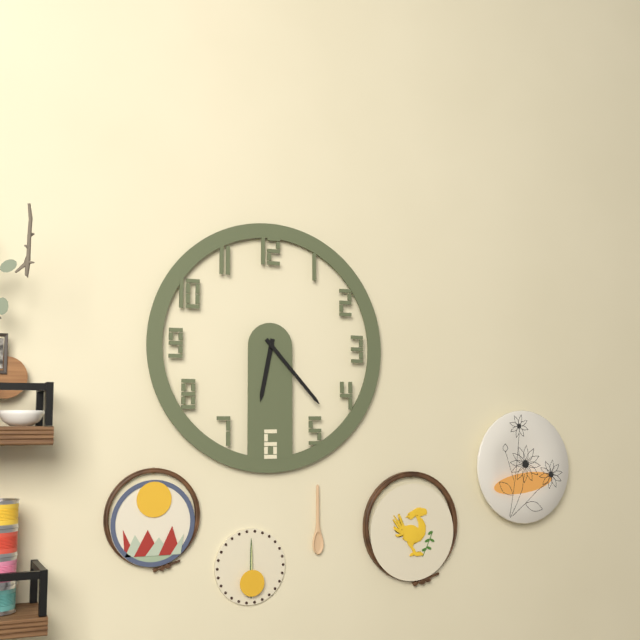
6:23
